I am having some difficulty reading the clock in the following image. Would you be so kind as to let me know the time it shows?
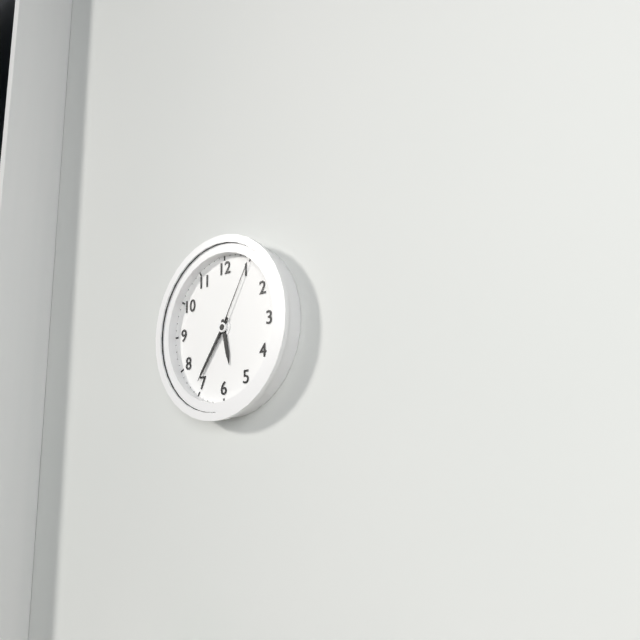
5:36:05
